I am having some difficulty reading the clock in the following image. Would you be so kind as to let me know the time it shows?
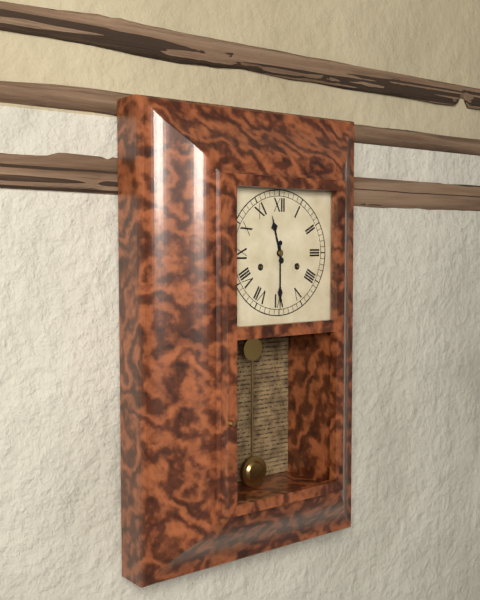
11:30
